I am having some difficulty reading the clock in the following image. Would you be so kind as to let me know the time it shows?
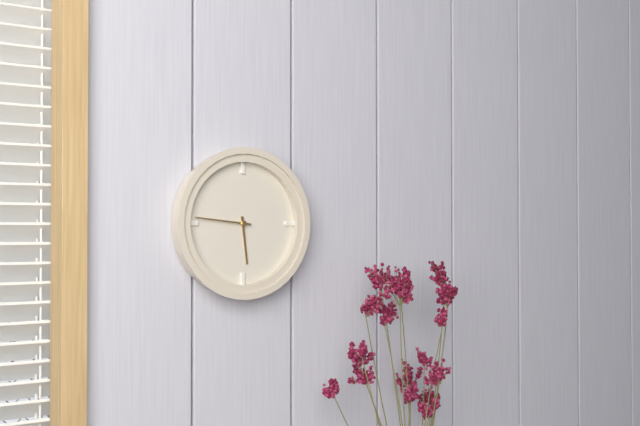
5:46
